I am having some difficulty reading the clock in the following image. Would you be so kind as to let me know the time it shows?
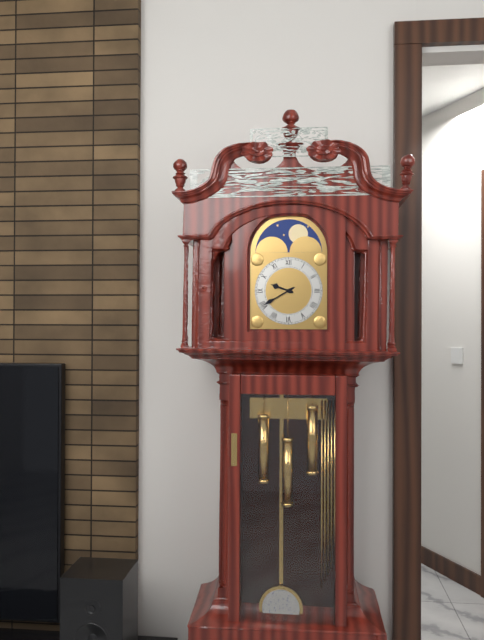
9:40
